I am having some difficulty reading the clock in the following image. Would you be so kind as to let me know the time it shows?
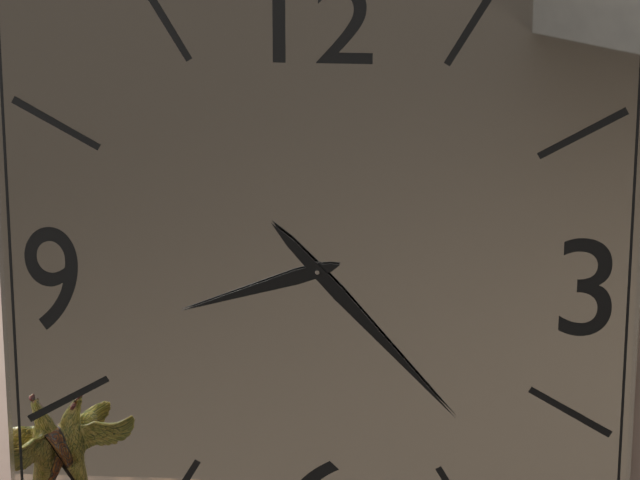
8:23
